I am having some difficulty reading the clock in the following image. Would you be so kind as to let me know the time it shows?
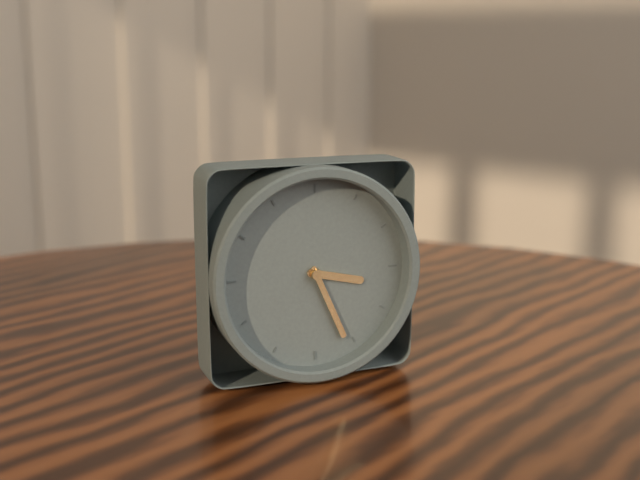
3:26
